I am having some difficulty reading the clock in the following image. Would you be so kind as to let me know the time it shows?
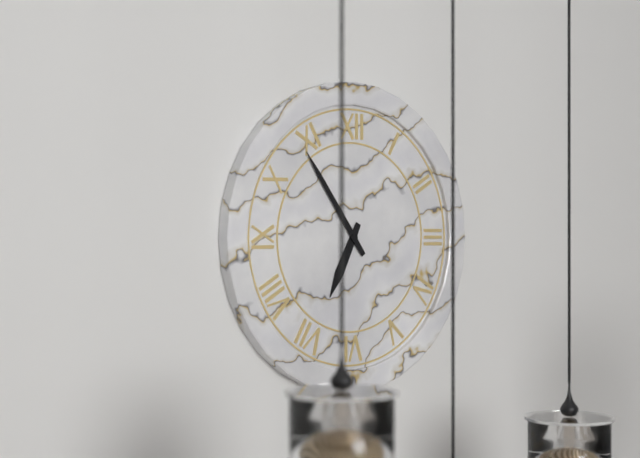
6:54
